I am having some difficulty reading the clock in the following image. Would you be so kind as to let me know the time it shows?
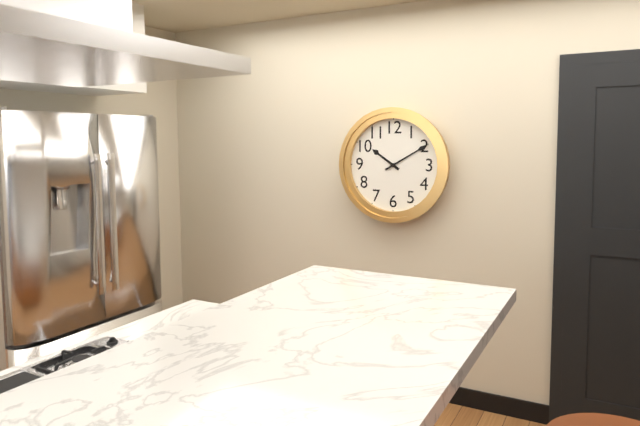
10:10
